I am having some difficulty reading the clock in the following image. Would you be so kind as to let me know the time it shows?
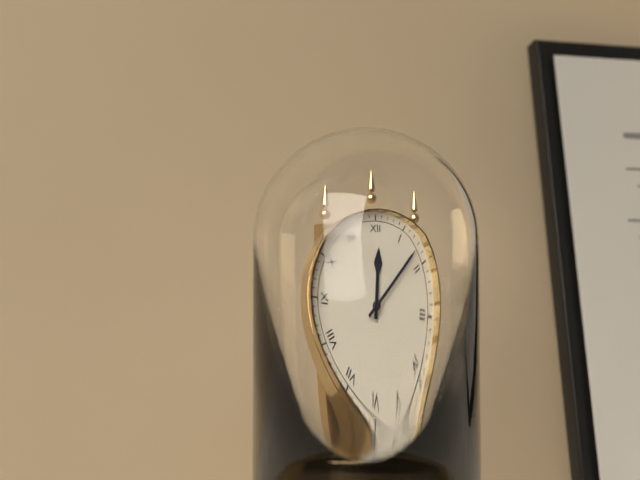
12:08
